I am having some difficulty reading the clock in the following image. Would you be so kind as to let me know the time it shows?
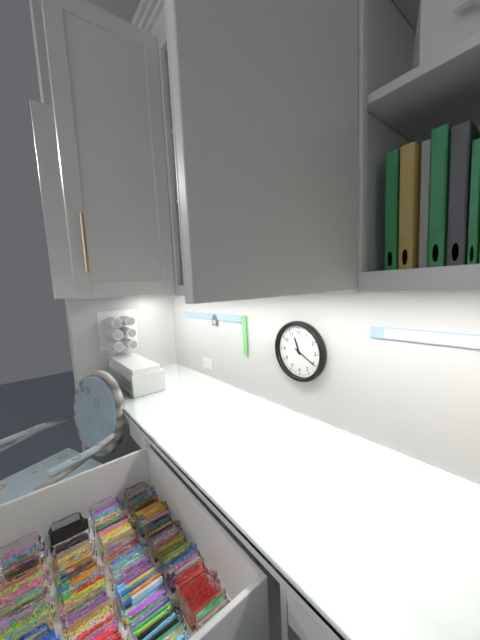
11:20
